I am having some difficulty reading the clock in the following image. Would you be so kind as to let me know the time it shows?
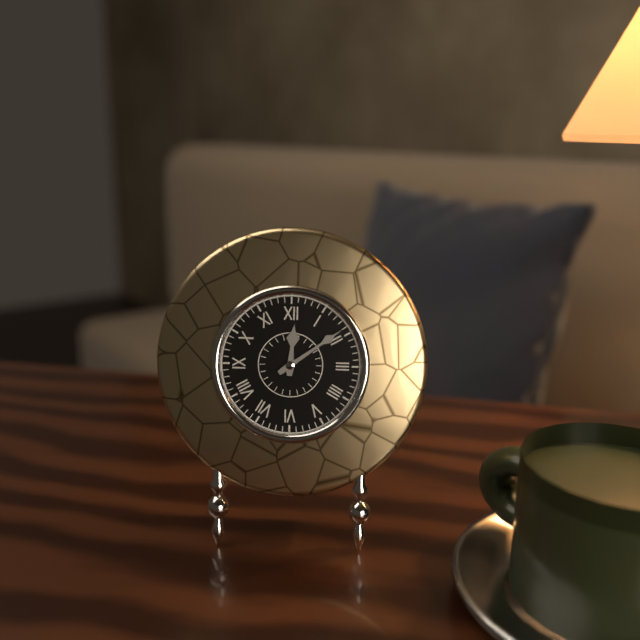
12:09
